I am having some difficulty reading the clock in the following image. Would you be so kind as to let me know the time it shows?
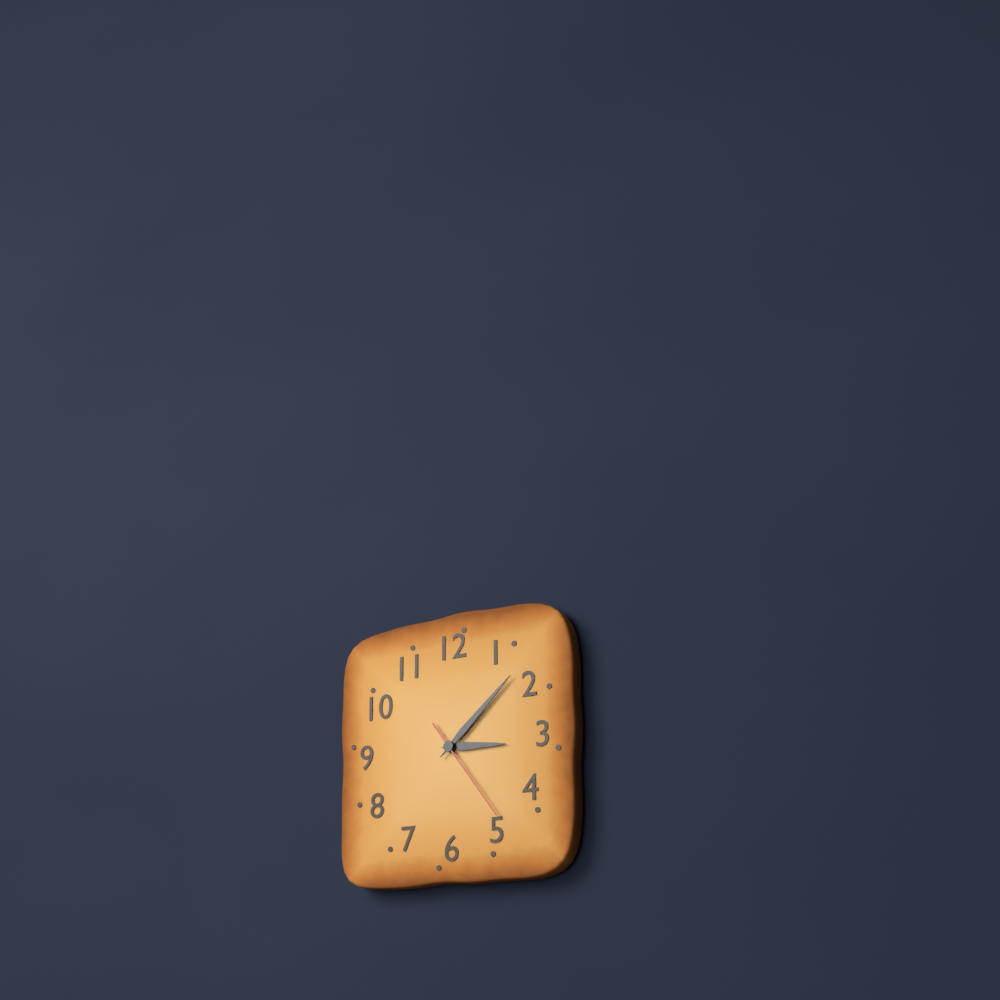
3:08:24
